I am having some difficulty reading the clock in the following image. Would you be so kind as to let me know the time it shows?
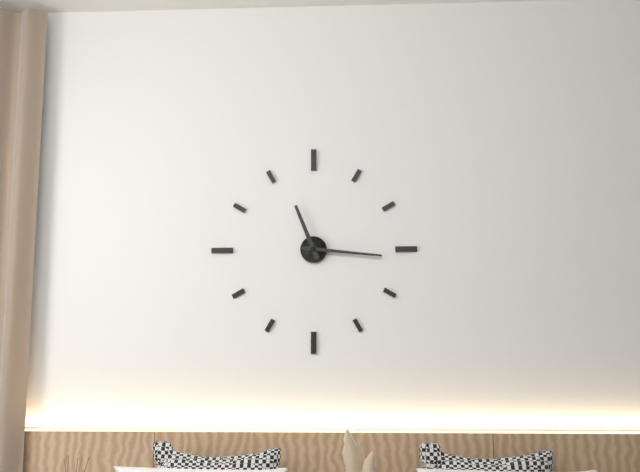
11:16
